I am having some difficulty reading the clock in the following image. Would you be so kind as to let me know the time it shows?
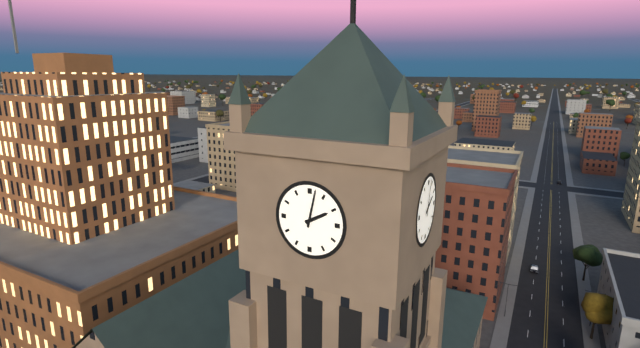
2:02
